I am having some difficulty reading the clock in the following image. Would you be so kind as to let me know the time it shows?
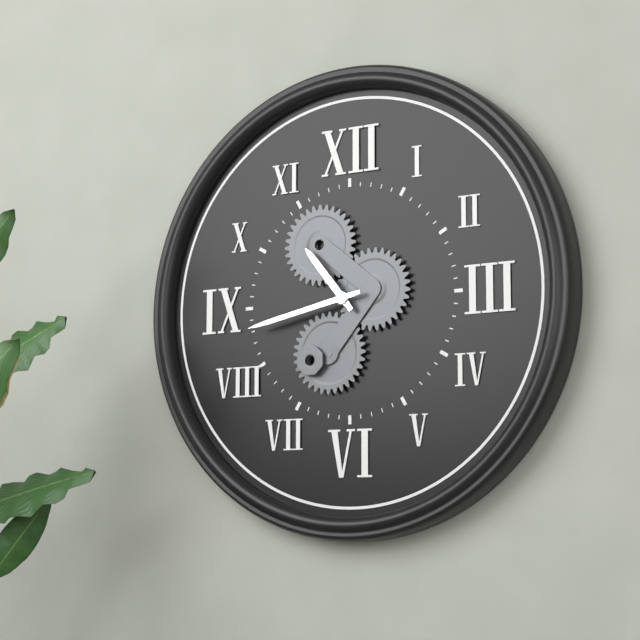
10:43
